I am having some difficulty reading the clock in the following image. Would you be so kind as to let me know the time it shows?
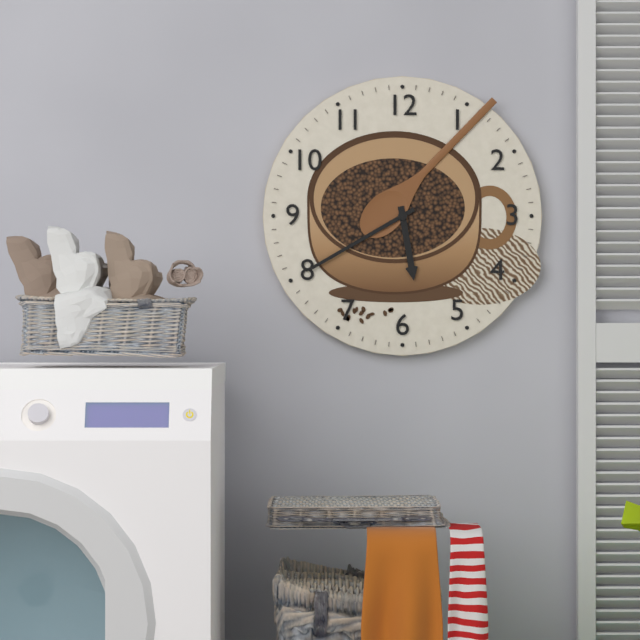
5:40
